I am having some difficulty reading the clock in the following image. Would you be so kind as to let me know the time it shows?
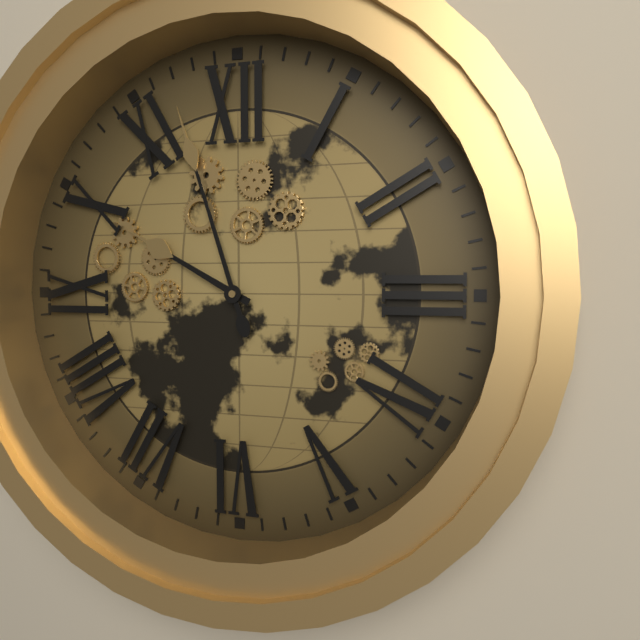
9:57
